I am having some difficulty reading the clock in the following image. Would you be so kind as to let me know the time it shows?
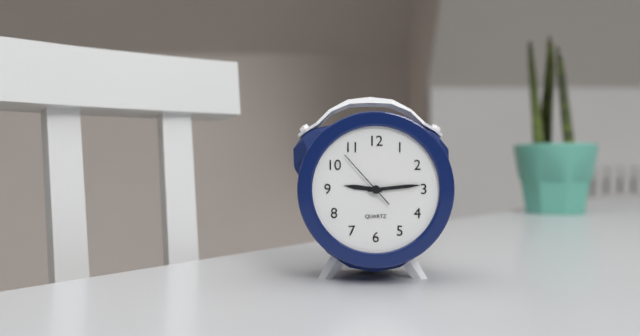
9:14:53
